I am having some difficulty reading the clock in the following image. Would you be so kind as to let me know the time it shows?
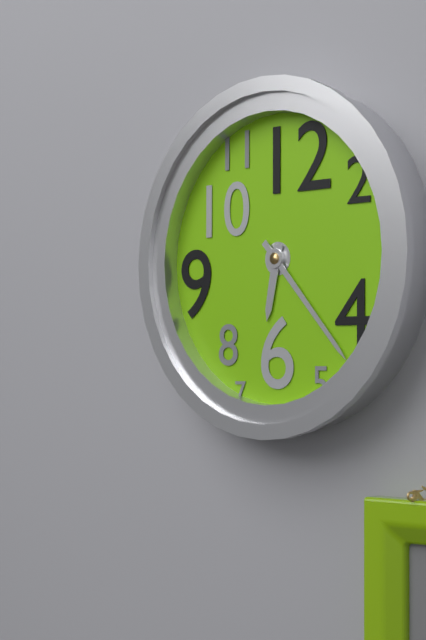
6:23
